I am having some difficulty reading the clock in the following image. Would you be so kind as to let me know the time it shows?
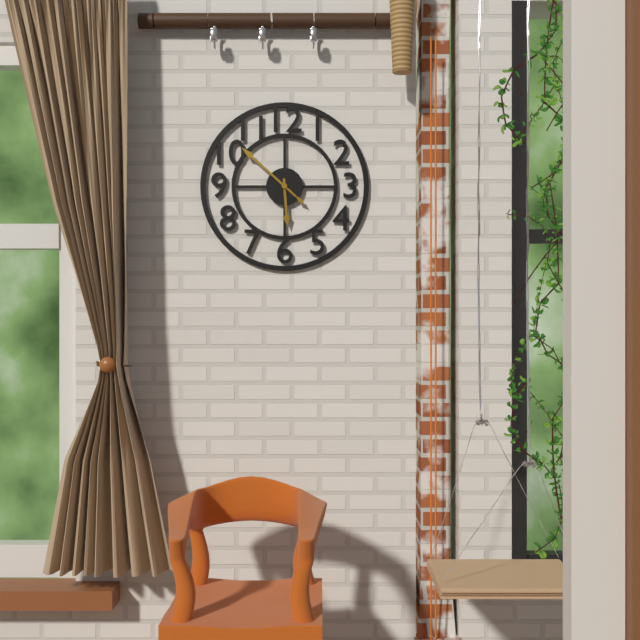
5:52
